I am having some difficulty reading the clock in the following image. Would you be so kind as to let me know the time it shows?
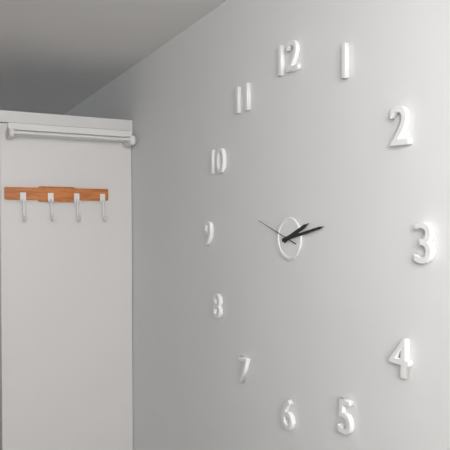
2:13
